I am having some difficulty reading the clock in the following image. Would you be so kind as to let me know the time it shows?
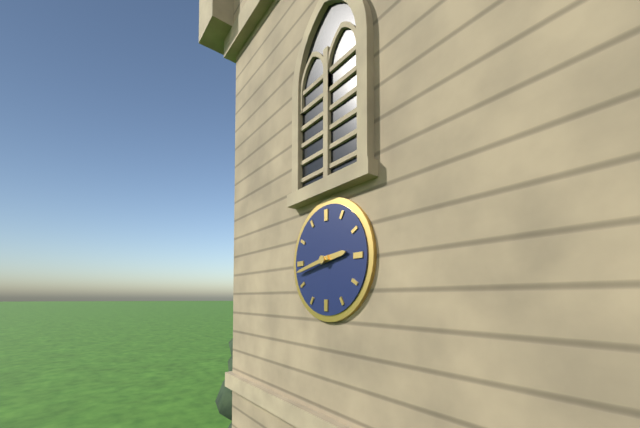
2:43
